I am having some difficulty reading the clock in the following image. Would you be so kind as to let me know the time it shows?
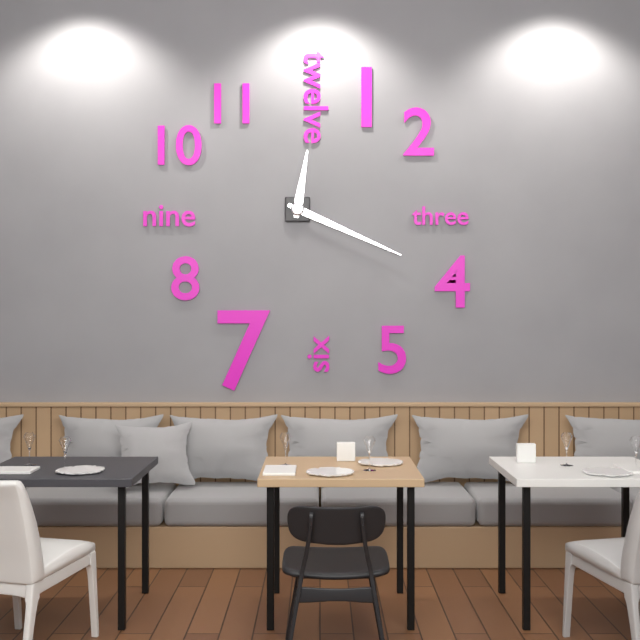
12:19
